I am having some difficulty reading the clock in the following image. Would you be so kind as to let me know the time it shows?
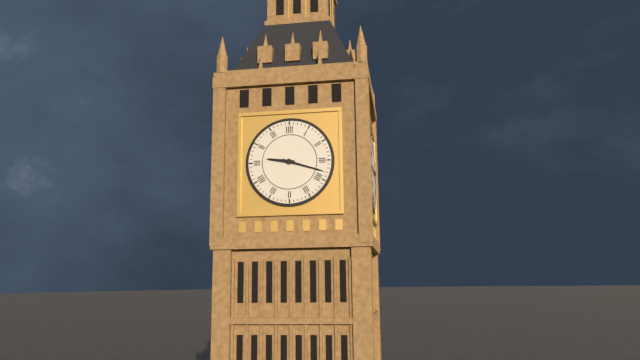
9:18
